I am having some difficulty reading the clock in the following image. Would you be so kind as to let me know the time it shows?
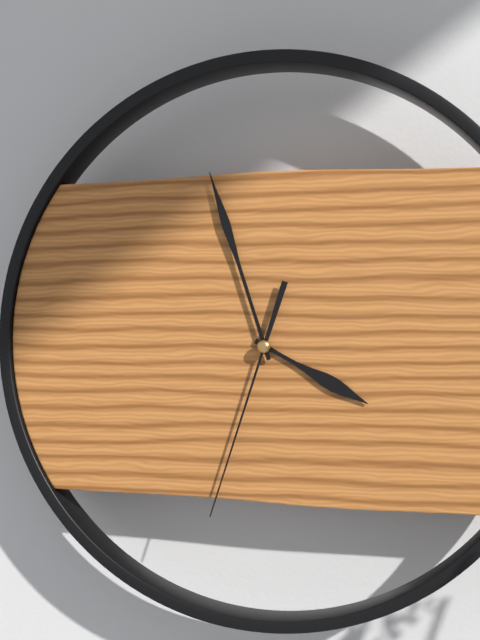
3:57:33
